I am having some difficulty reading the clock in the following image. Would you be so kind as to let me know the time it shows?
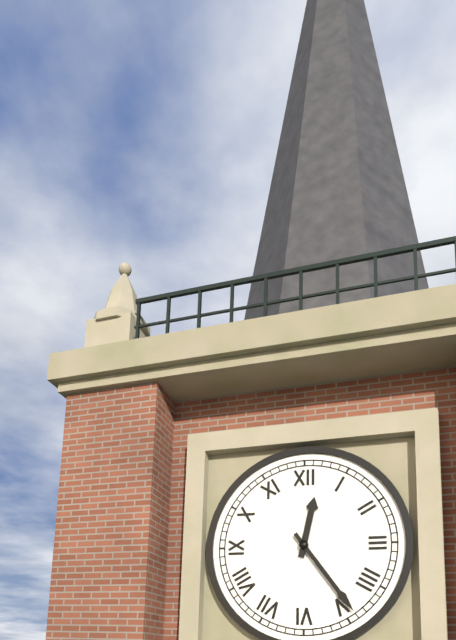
12:24
